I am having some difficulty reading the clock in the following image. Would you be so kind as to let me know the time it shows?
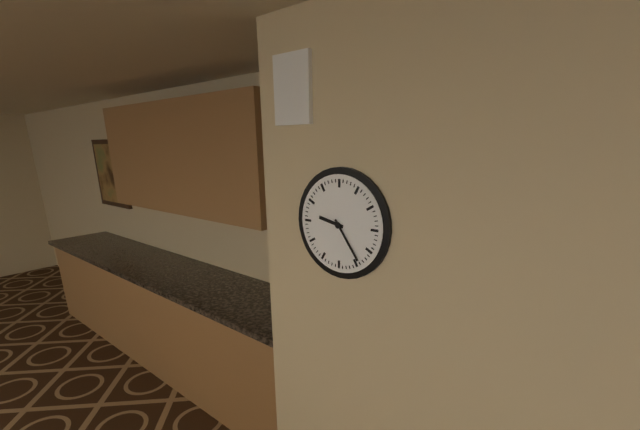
9:24
